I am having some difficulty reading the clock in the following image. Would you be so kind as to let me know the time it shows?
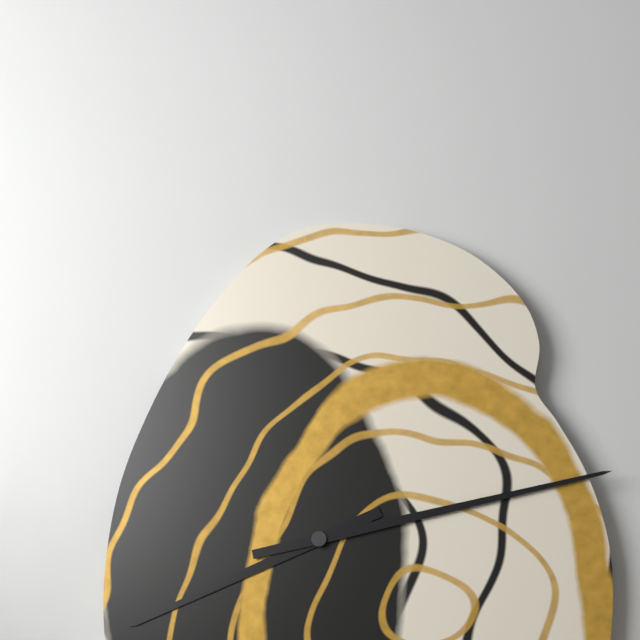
8:13
